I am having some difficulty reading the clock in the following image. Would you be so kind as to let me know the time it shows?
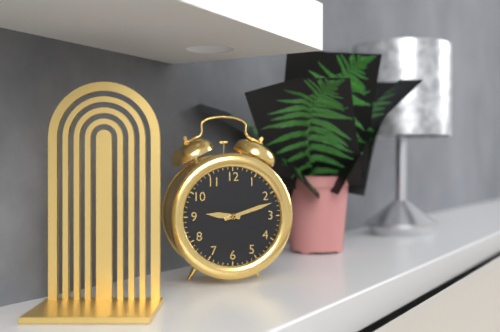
9:12
